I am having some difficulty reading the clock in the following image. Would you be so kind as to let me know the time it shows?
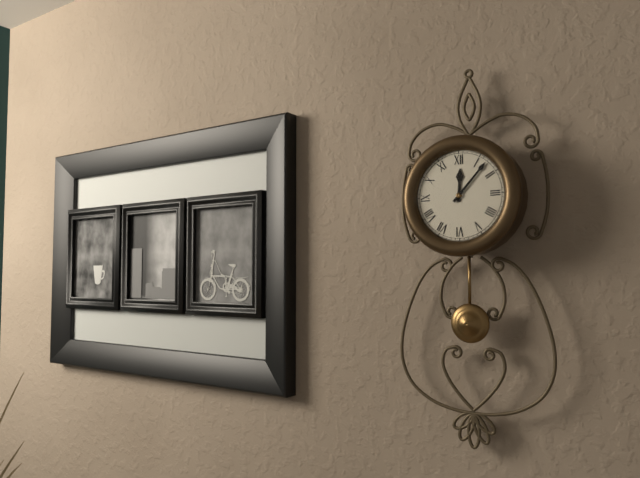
12:07
